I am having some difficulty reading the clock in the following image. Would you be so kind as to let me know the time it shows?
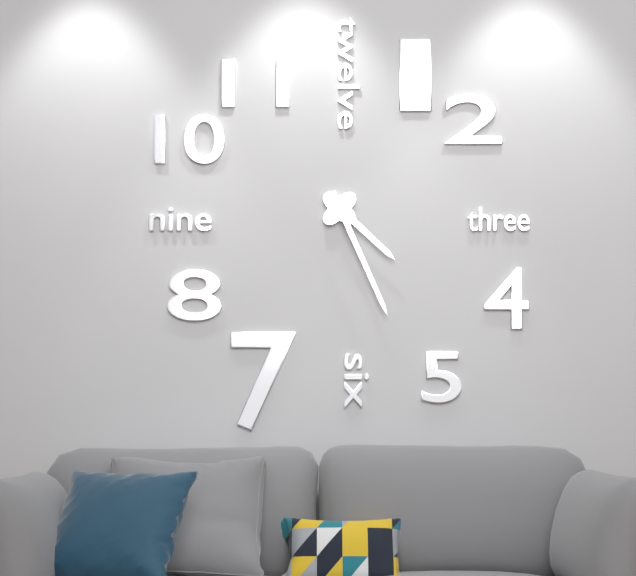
4:26
